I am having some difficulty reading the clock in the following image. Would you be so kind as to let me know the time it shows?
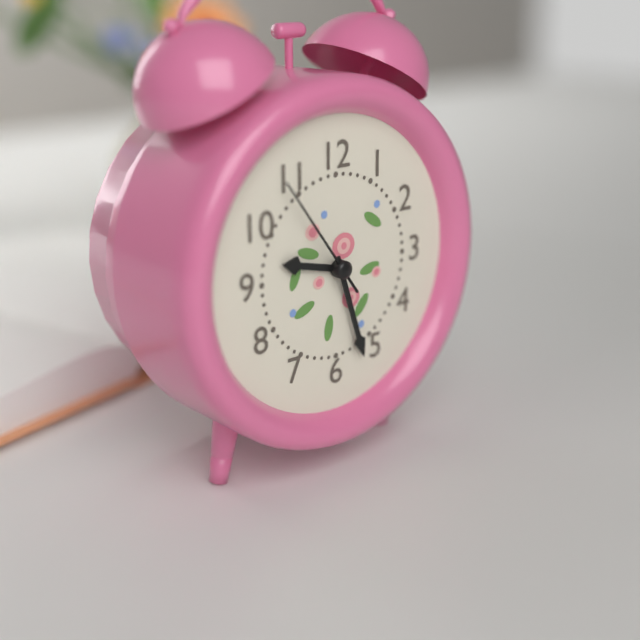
9:27:54
